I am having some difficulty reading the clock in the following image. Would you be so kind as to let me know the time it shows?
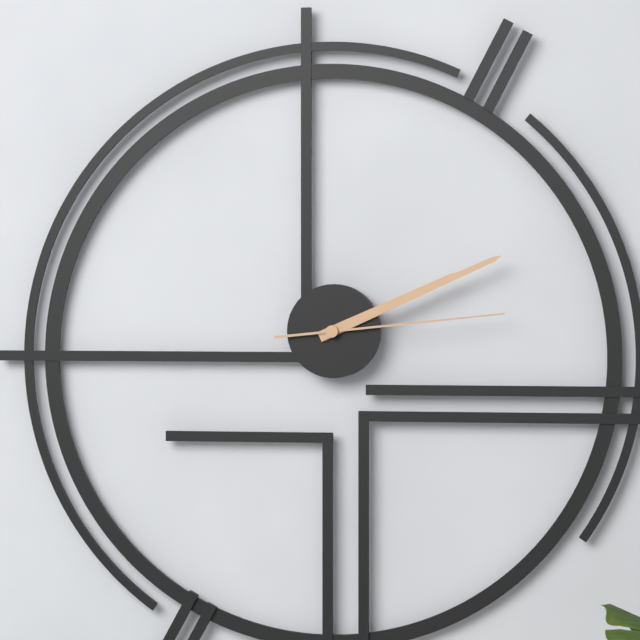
2:11:14
